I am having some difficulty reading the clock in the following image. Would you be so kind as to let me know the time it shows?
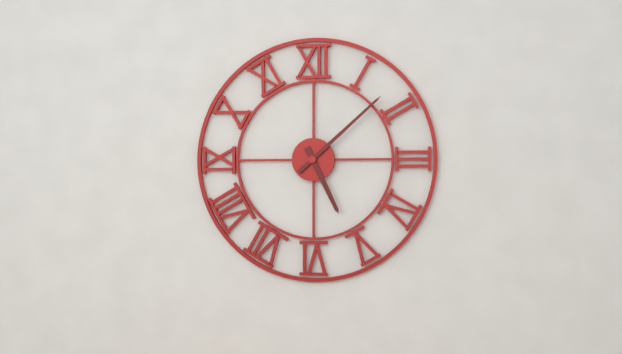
5:08
